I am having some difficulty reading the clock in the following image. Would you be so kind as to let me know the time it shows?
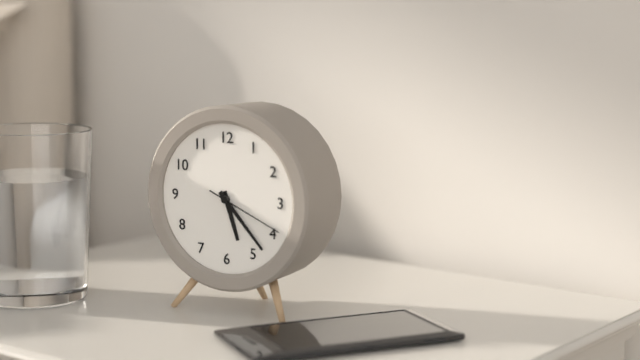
5:23:19
